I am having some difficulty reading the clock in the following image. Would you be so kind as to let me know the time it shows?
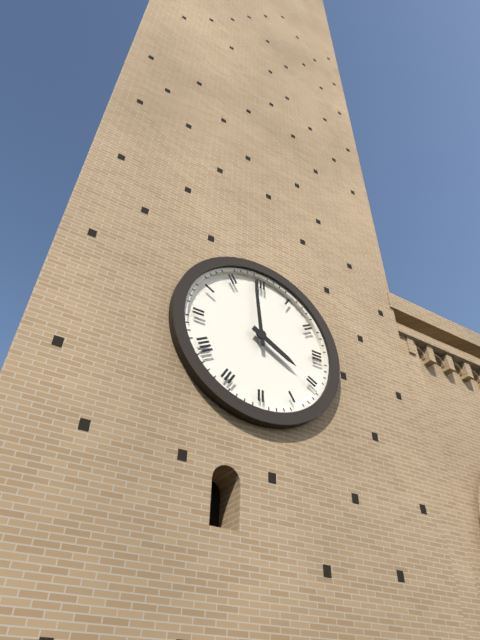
3:59
